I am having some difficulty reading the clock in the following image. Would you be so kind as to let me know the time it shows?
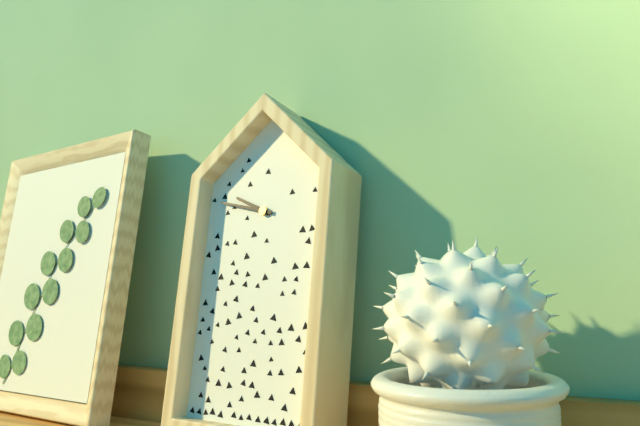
9:47
